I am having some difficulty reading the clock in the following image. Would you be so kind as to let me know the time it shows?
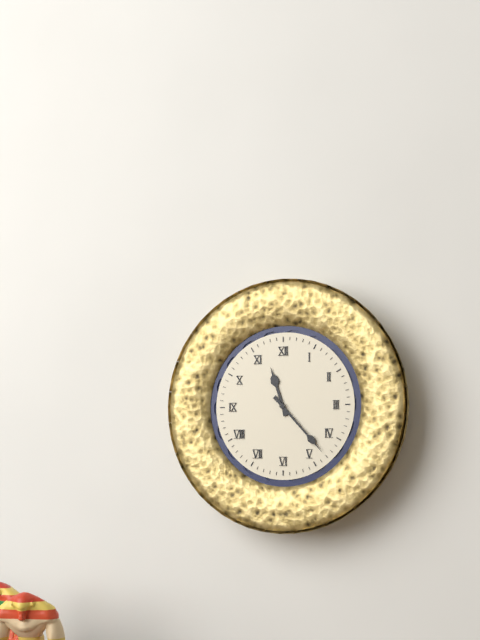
11:23
